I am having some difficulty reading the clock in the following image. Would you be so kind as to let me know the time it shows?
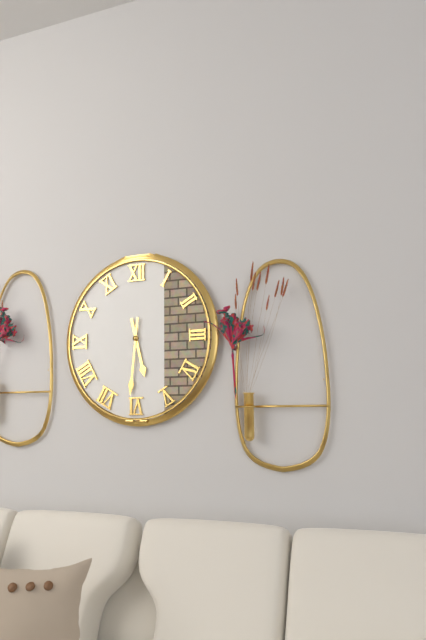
5:31
